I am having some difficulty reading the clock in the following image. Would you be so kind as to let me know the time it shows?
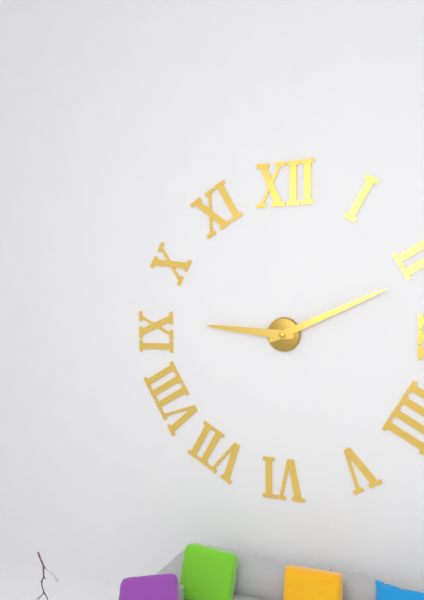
9:11
